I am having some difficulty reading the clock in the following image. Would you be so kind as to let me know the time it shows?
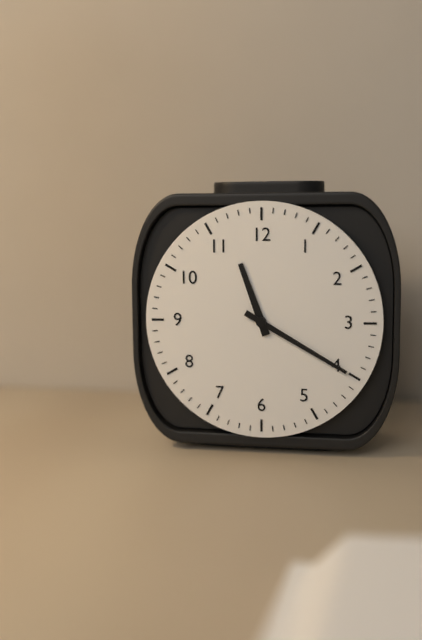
11:20
